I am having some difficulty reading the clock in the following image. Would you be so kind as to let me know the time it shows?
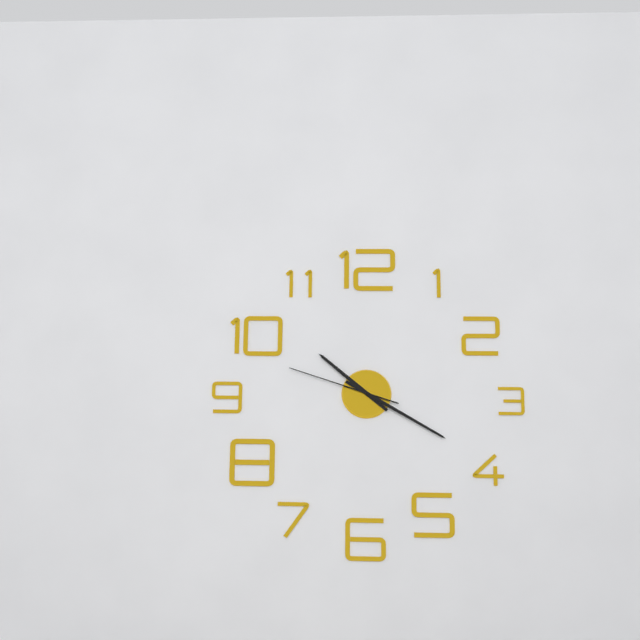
10:20:48
